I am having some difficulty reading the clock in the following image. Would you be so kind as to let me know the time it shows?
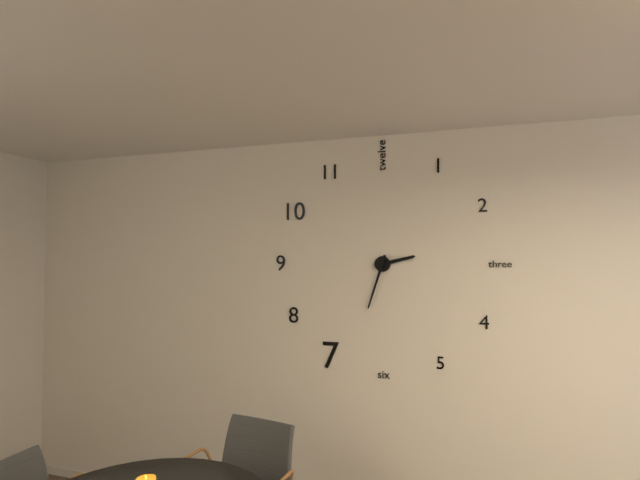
2:33
